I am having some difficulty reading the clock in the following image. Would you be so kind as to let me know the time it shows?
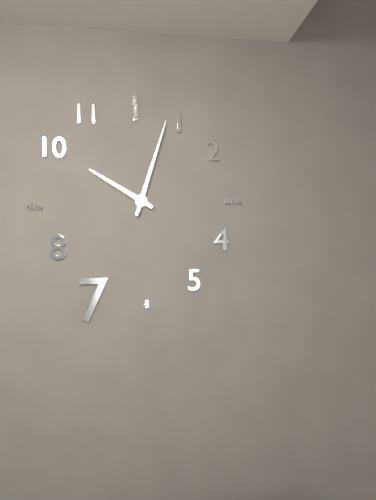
10:03
